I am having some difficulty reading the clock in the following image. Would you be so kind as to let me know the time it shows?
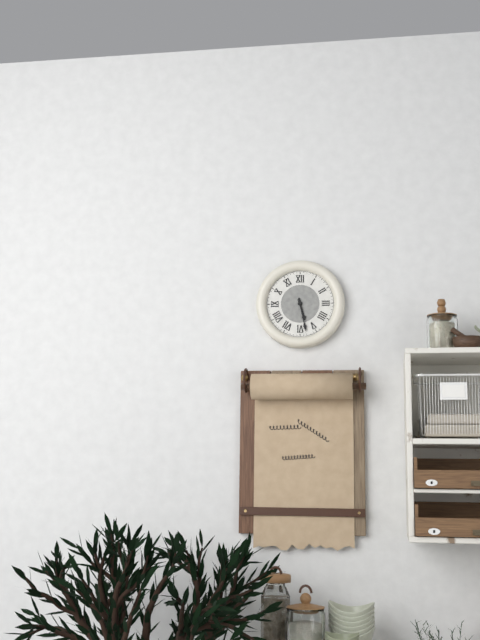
5:28
